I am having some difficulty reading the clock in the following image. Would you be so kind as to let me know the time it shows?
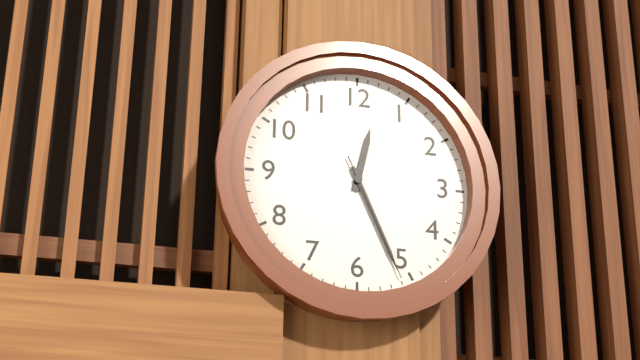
12:26:26
